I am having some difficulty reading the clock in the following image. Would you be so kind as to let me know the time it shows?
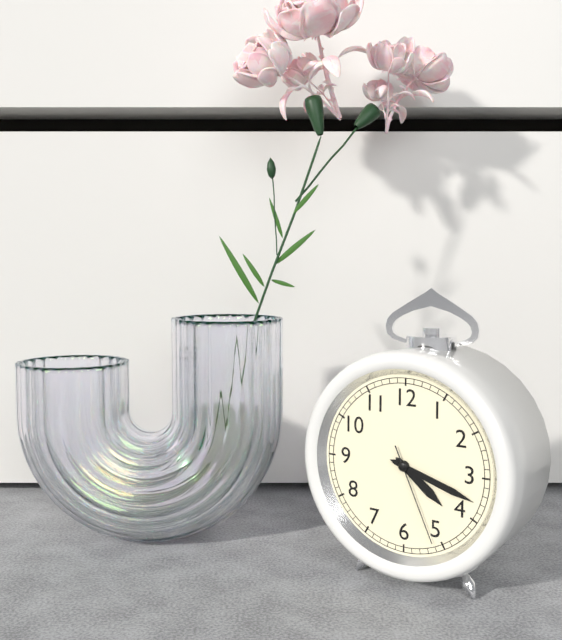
4:18:26
